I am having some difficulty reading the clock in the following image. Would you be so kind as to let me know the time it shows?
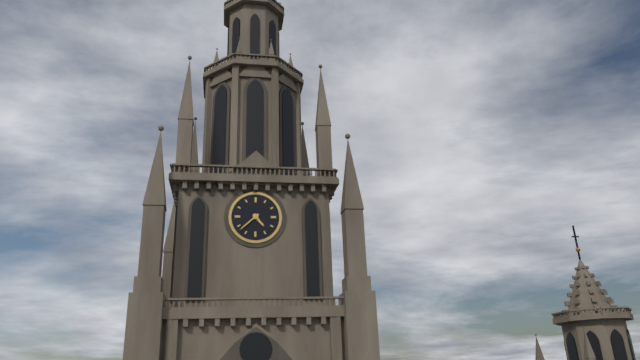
4:38
